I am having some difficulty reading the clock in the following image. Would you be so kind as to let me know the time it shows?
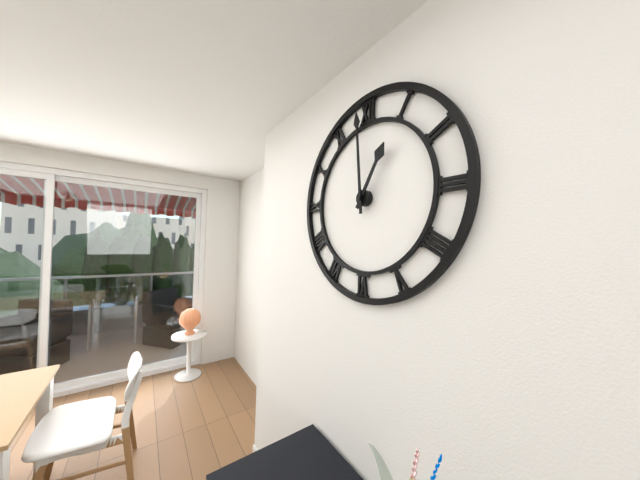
12:59
